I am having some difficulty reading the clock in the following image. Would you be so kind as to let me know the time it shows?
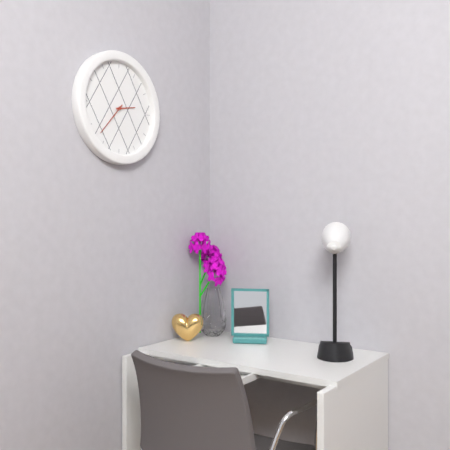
2:37
